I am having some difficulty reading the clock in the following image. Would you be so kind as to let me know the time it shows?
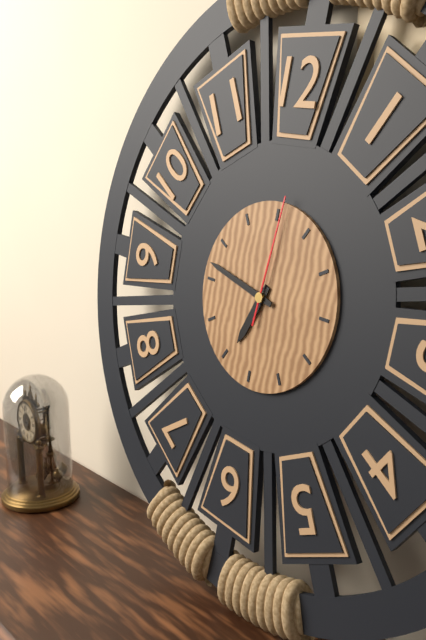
6:47:01
